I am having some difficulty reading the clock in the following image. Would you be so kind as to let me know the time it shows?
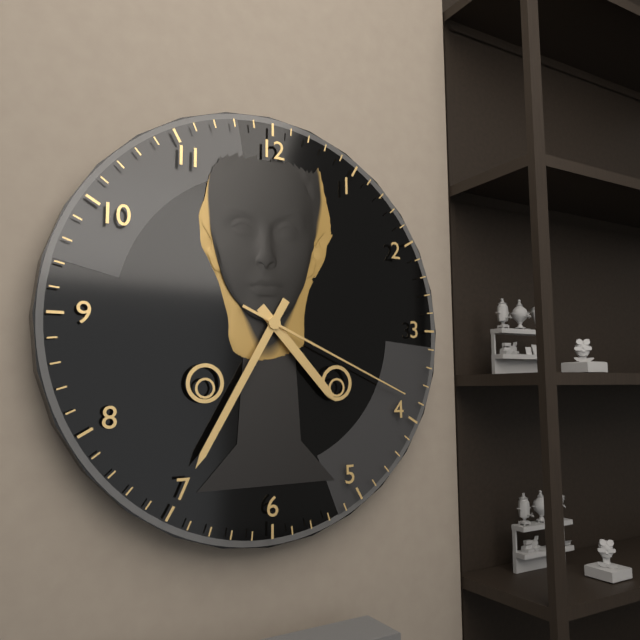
4:35:19
